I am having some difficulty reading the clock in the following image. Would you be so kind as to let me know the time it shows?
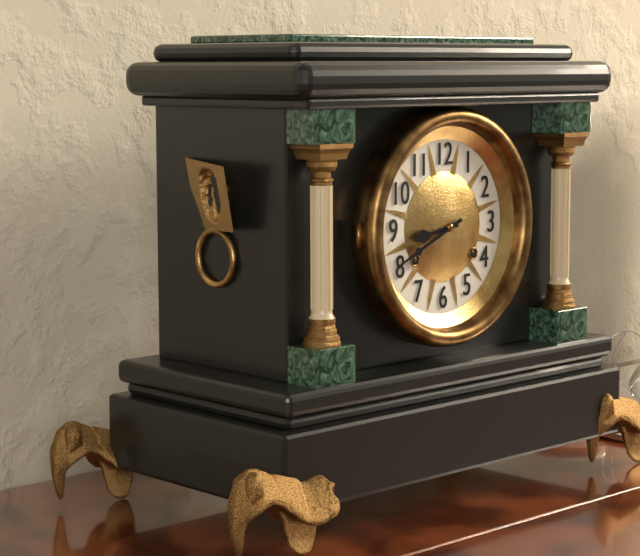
8:41
